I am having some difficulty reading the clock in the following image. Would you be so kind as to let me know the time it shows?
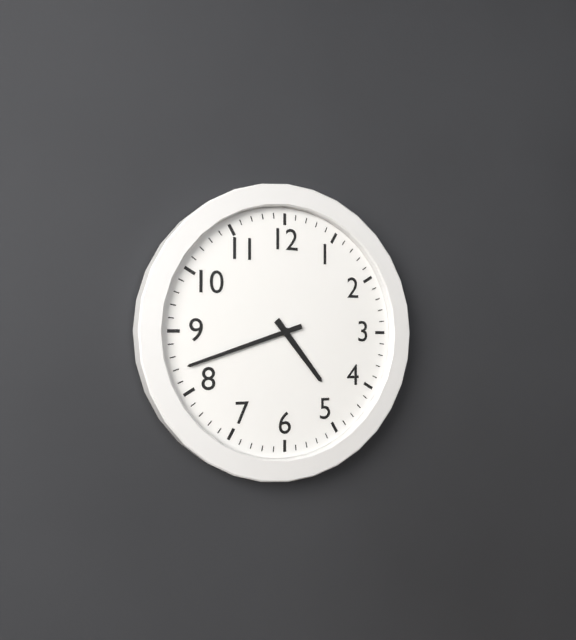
4:42
